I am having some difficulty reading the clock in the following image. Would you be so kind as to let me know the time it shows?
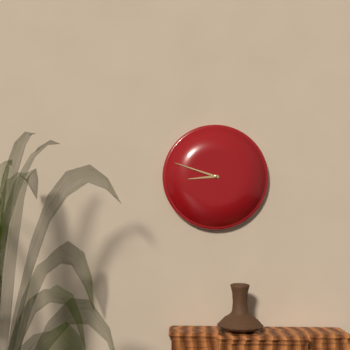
8:48
